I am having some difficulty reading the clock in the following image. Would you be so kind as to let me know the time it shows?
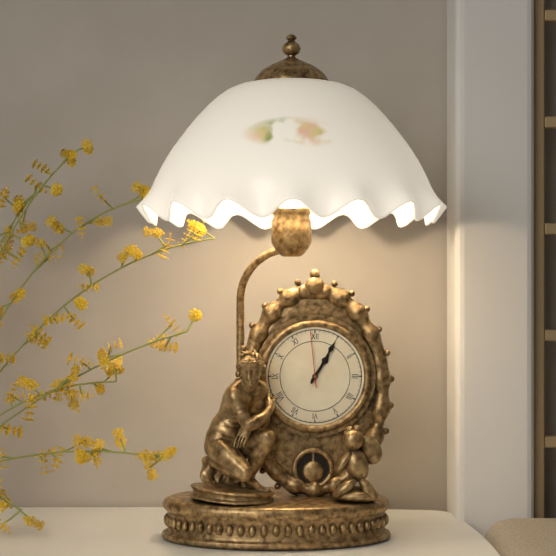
1:05:59
